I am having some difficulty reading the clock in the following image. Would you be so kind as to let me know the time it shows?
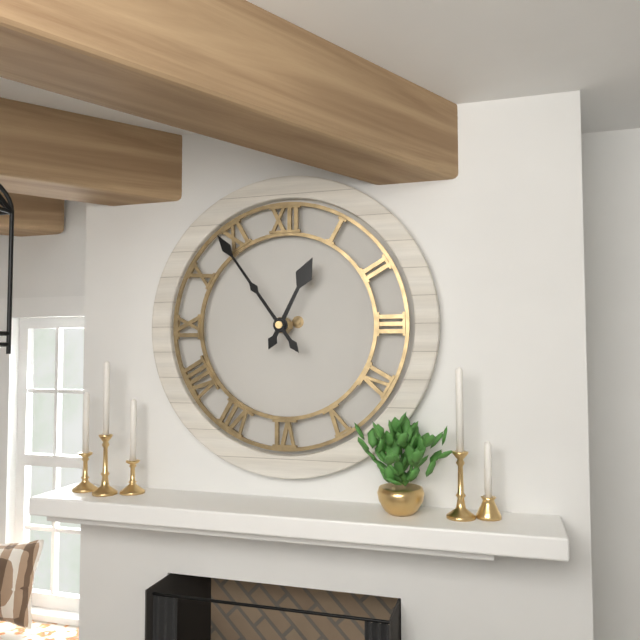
12:54
